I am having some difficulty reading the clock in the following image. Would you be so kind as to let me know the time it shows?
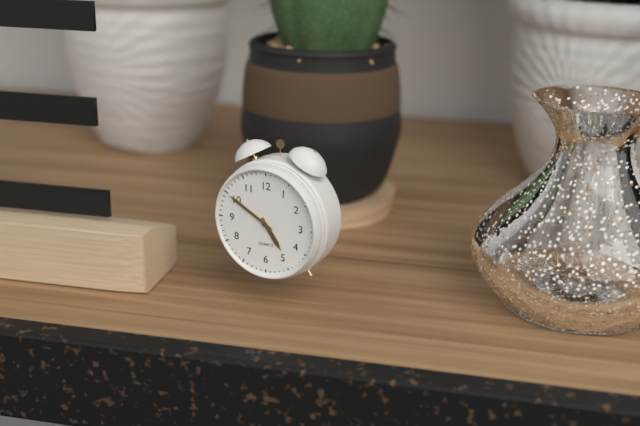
4:50
